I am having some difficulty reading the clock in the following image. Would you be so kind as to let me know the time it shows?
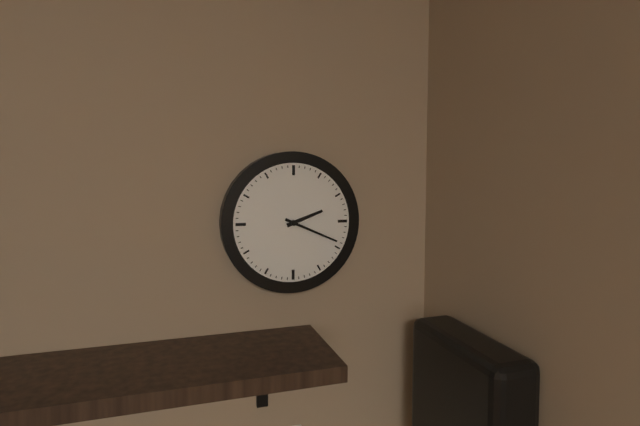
2:19
